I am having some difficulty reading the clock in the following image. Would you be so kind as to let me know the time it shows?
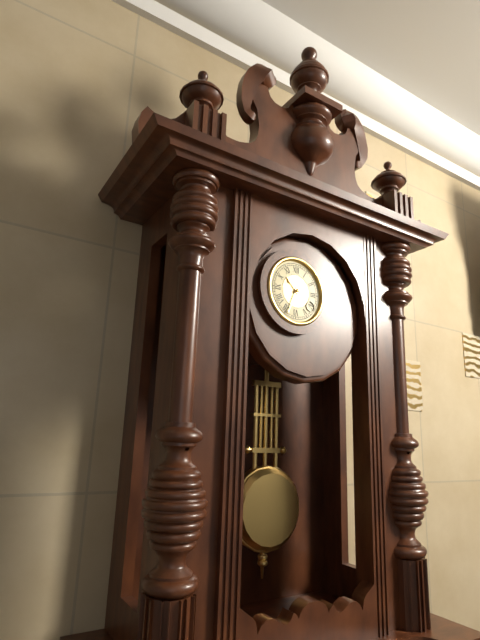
10:34
